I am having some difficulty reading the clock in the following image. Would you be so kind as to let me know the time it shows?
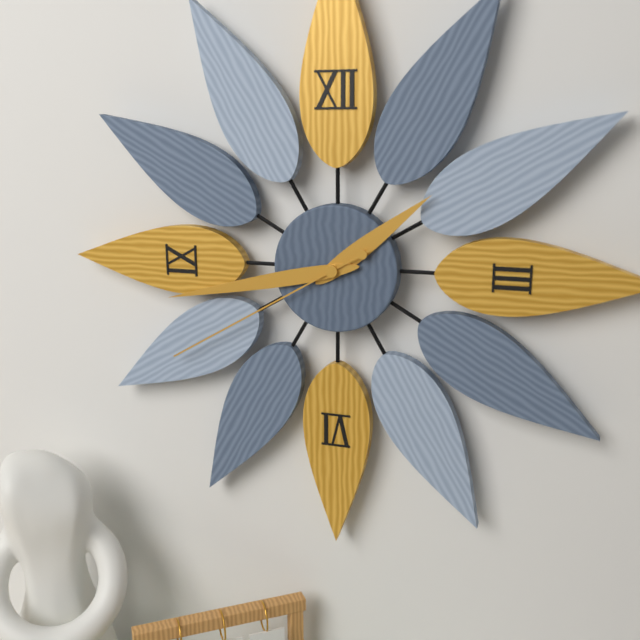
1:43:40
